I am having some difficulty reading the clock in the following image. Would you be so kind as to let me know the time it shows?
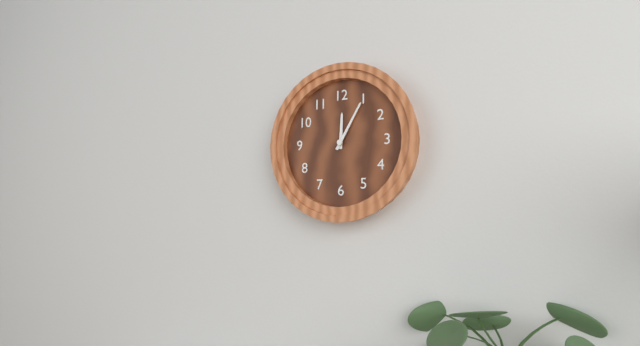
12:05
